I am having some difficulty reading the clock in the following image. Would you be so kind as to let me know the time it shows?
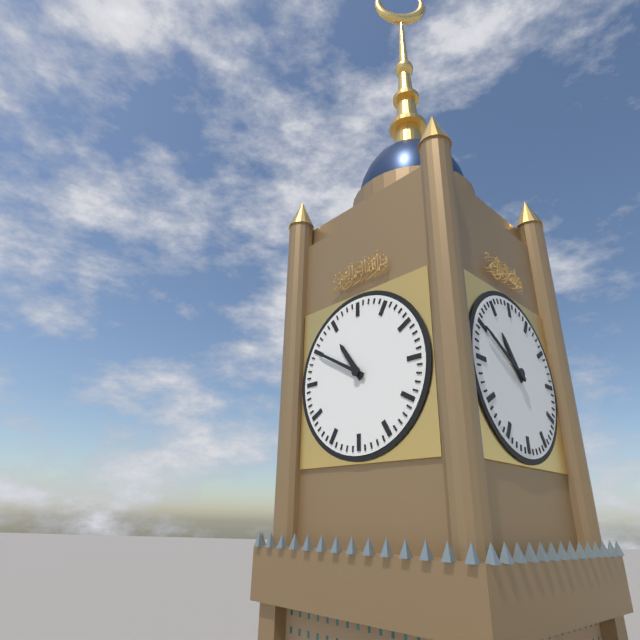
10:50
